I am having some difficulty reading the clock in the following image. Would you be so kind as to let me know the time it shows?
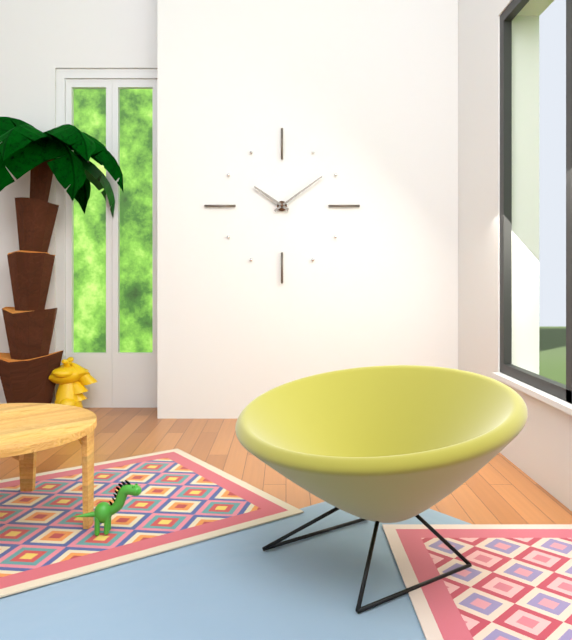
10:09
